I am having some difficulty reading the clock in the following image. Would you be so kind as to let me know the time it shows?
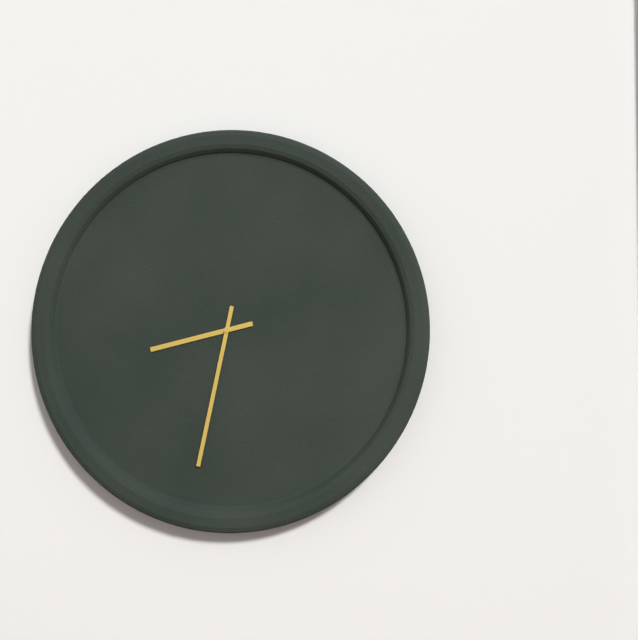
8:32
